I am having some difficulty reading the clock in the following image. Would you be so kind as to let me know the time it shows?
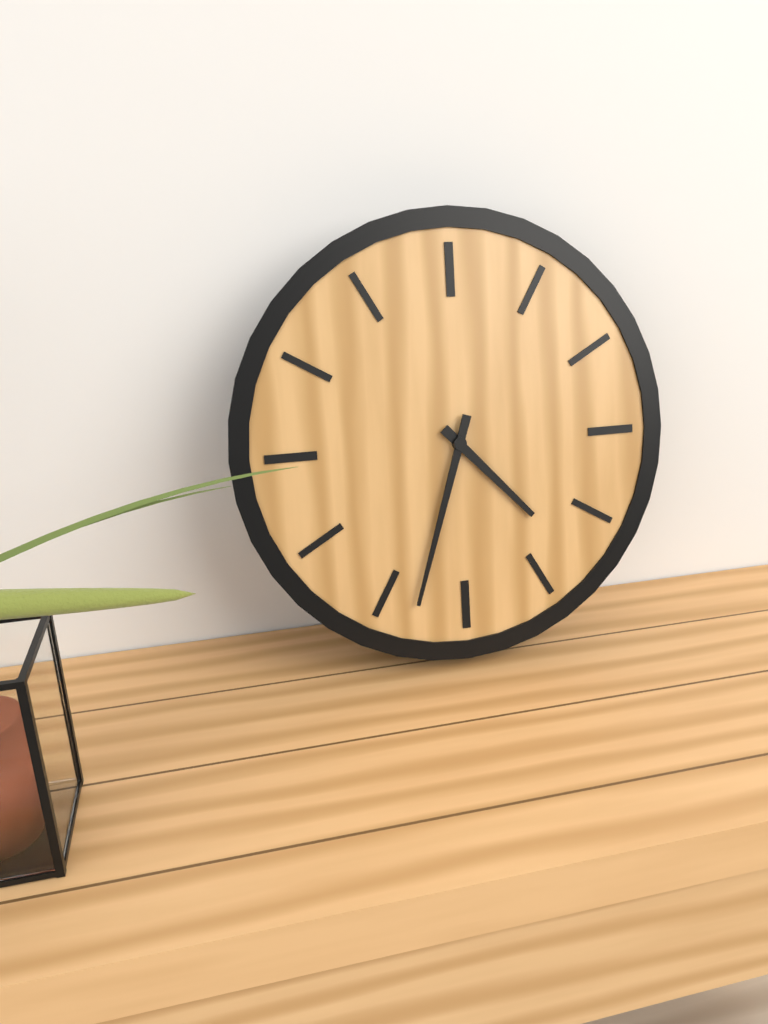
4:33
